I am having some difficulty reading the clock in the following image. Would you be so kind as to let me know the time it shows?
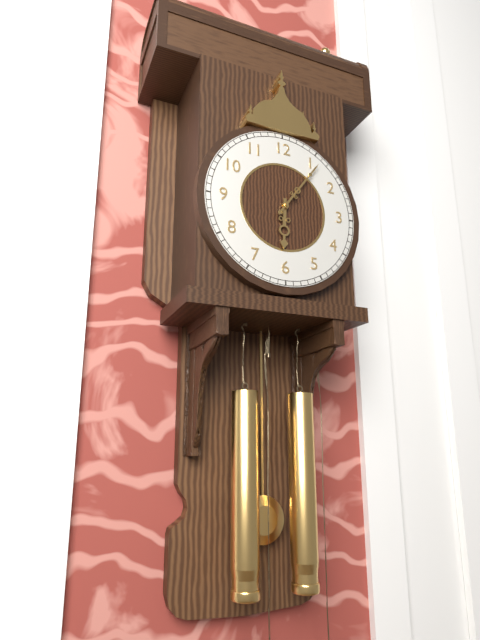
6:06
